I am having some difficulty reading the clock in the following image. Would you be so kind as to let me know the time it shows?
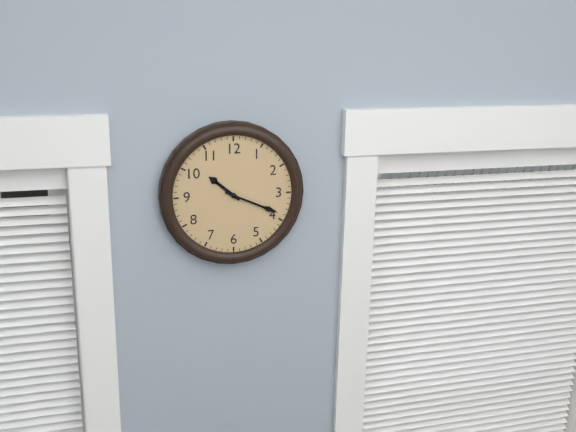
10:19
